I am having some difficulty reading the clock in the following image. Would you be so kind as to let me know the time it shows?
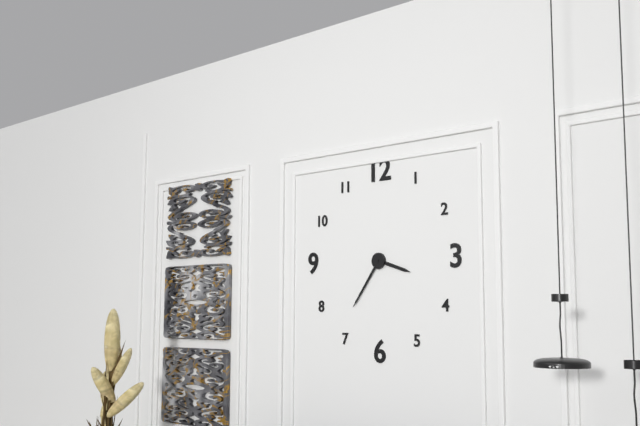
3:36
